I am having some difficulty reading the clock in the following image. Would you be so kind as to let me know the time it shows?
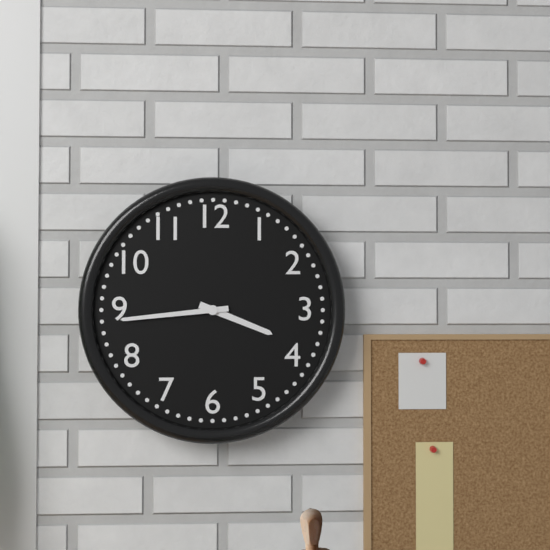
3:44
